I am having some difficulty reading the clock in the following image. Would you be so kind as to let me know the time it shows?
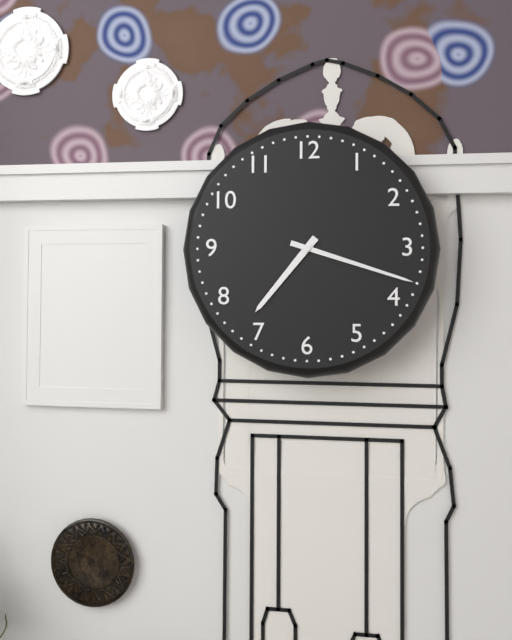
7:18
